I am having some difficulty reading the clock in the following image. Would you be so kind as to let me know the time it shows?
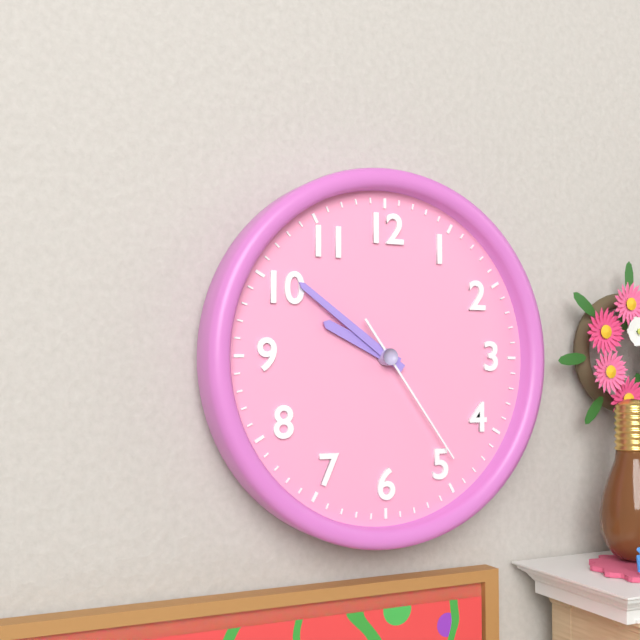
9:51:24
